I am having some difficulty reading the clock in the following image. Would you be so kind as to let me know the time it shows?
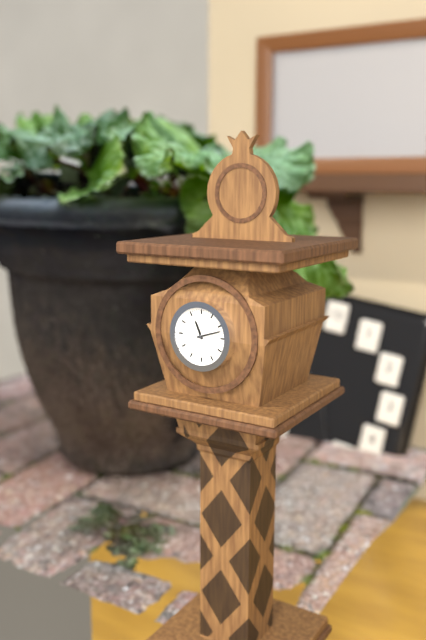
11:12
